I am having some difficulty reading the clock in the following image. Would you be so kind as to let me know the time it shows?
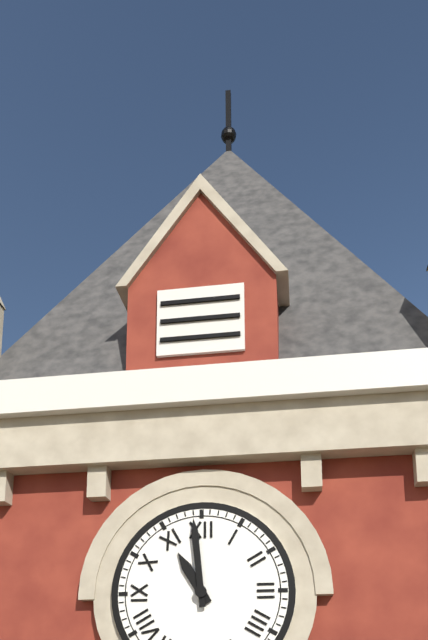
10:59
